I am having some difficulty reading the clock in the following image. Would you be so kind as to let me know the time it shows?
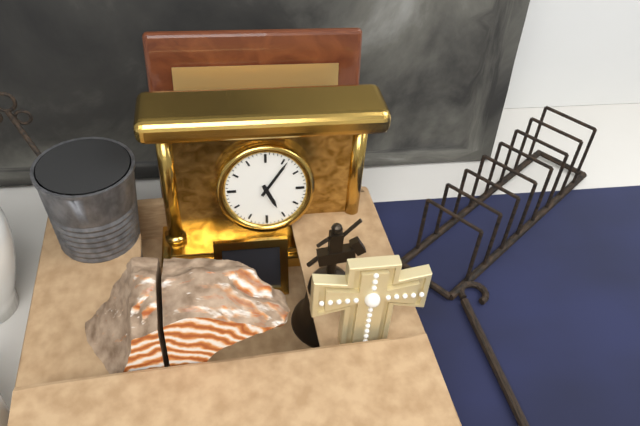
5:06
